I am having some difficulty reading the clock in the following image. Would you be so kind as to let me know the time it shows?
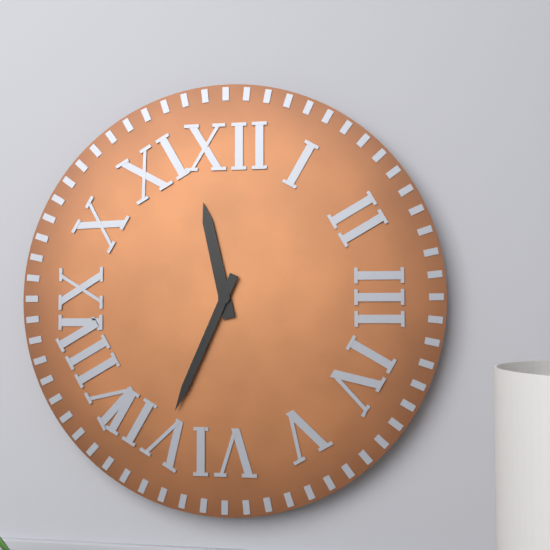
11:34
